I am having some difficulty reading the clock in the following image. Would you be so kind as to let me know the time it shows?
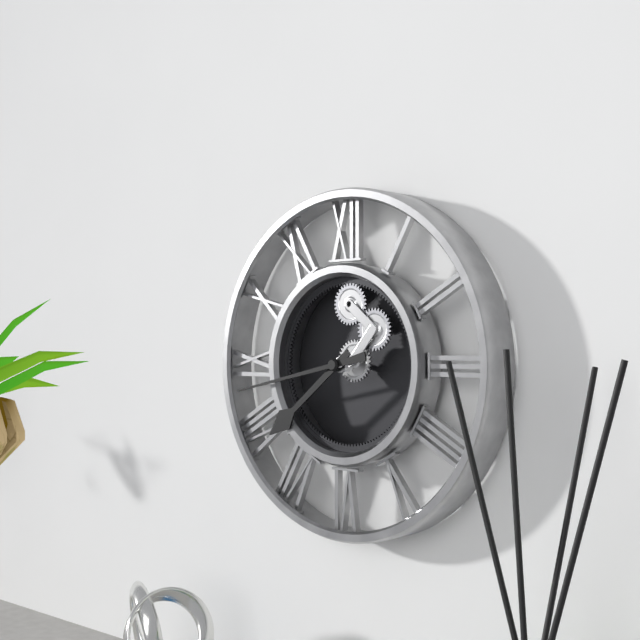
7:43
